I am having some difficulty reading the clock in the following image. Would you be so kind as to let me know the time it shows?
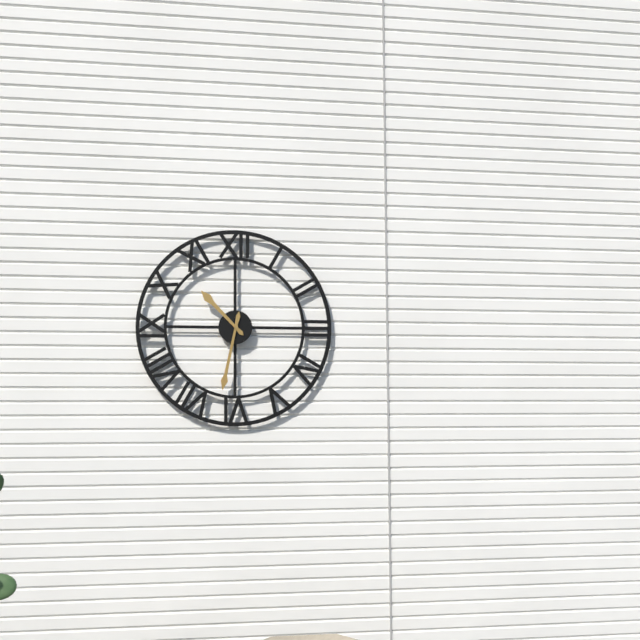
10:32
